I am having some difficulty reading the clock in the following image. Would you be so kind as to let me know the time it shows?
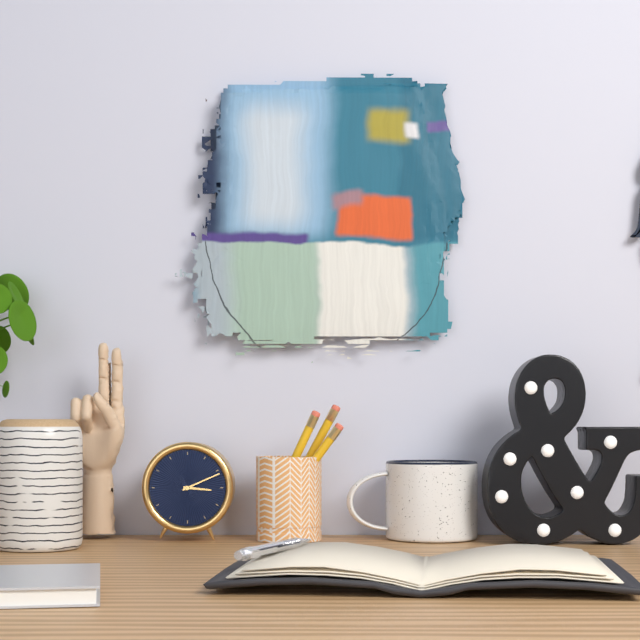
3:11
